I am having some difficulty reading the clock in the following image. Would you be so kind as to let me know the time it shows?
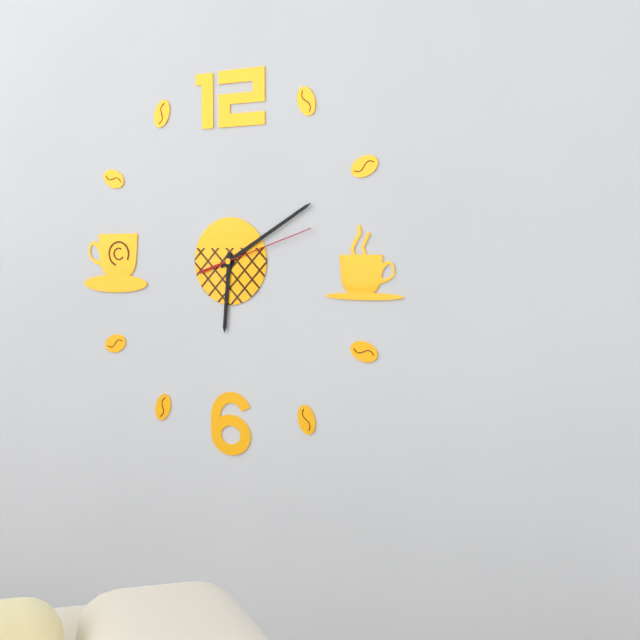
6:10:12
